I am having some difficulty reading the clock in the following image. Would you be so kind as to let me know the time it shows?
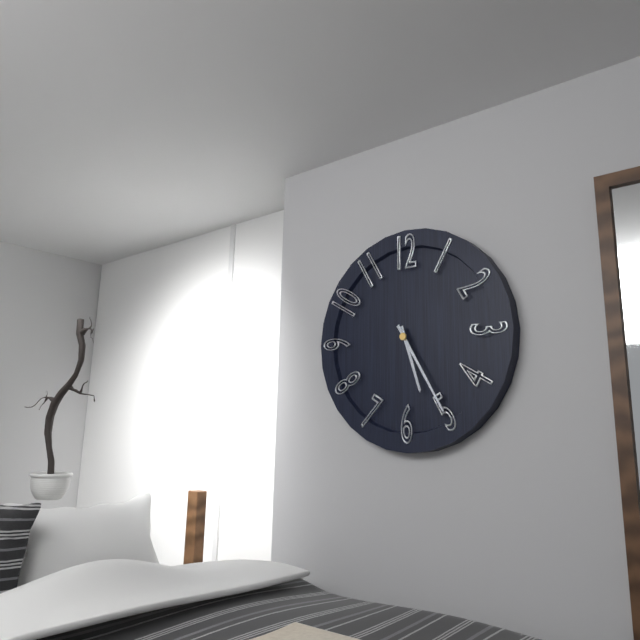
5:25
